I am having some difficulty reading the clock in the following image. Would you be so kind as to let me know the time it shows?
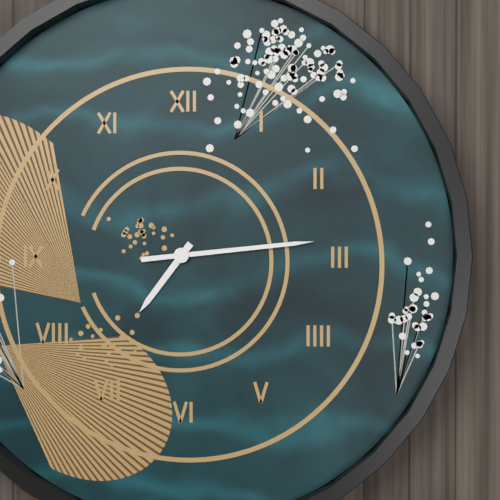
7:14
